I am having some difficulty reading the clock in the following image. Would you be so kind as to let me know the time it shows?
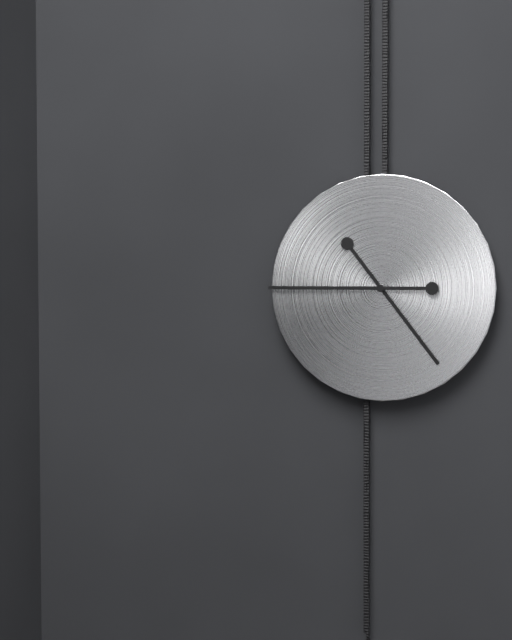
4:45
